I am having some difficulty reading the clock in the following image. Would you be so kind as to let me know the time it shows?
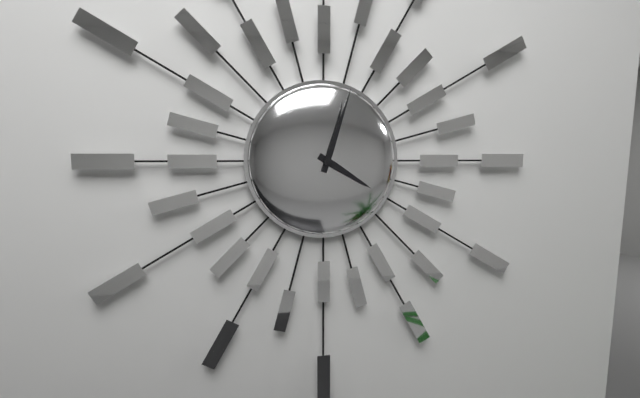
4:03
